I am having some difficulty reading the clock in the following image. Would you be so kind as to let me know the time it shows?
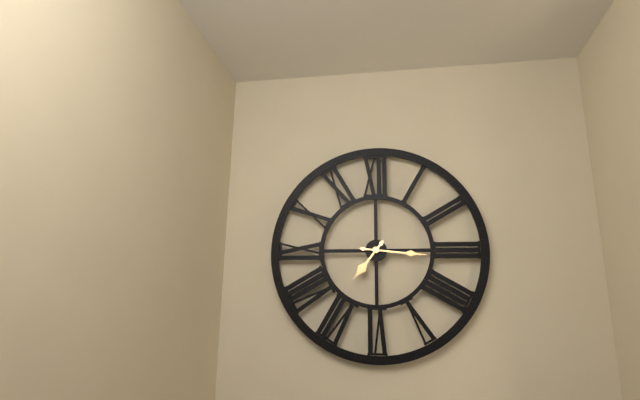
7:16
